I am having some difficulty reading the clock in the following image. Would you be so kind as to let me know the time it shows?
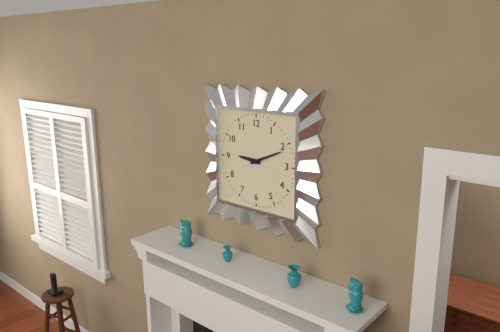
9:11
